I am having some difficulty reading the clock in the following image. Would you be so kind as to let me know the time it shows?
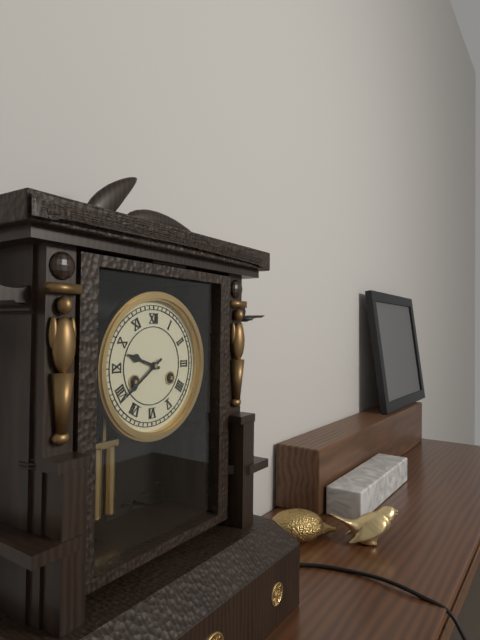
9:39
